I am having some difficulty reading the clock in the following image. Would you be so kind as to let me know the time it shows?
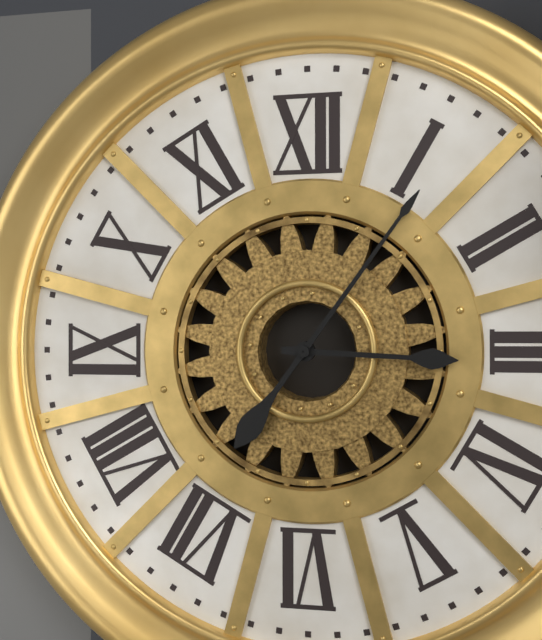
3:06
